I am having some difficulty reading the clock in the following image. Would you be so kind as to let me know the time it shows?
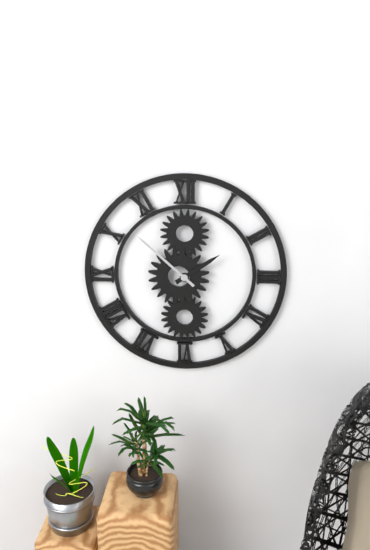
1:52
